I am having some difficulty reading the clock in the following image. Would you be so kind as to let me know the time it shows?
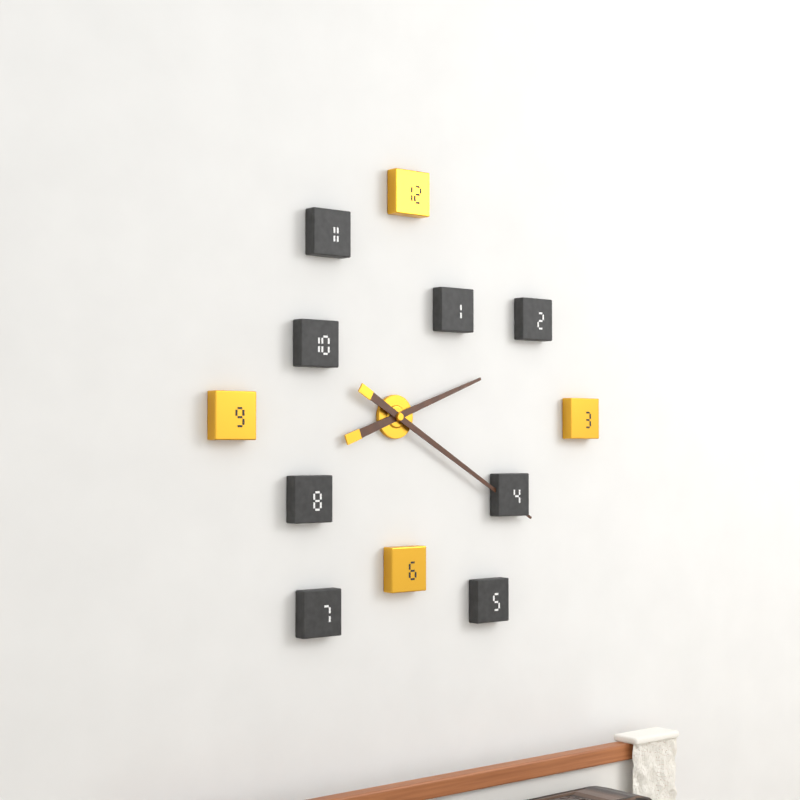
2:20
